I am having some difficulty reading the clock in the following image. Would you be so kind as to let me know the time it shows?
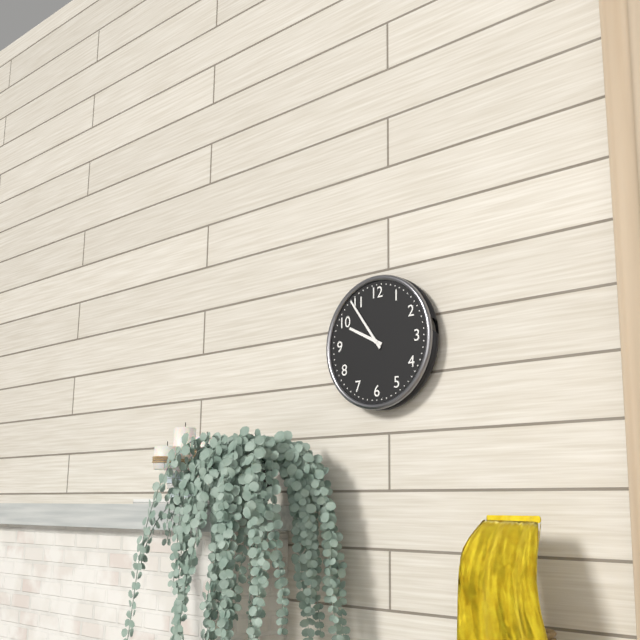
9:54
